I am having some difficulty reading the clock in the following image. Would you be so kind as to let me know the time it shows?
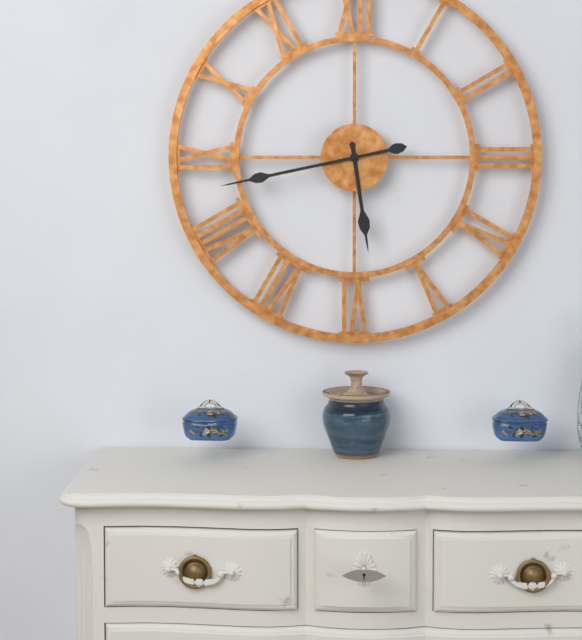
5:43
